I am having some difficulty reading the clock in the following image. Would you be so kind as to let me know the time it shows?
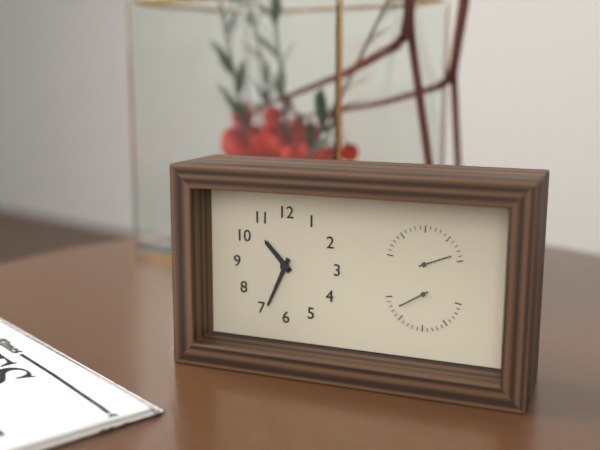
10:34
